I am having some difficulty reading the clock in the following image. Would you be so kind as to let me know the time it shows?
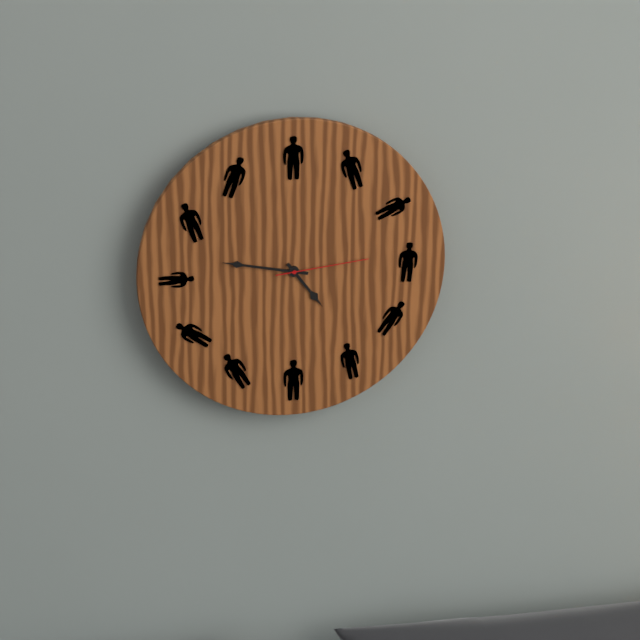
4:47:14
